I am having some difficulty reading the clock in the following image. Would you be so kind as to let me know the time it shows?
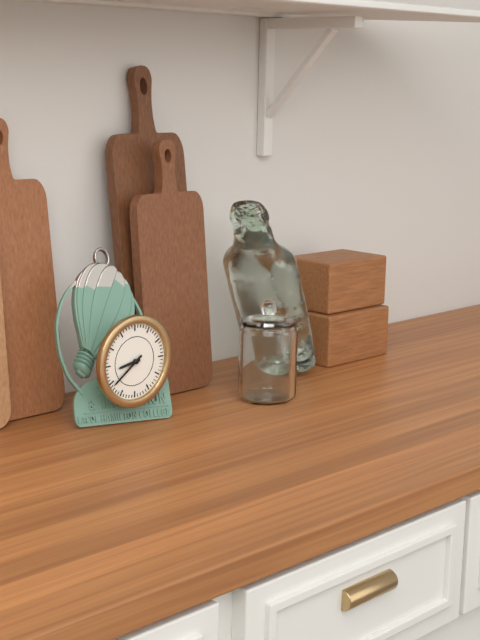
8:39
